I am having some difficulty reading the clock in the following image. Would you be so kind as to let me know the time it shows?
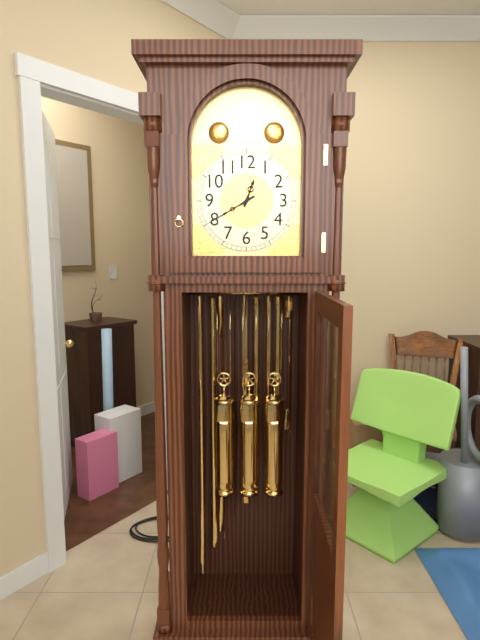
12:40
